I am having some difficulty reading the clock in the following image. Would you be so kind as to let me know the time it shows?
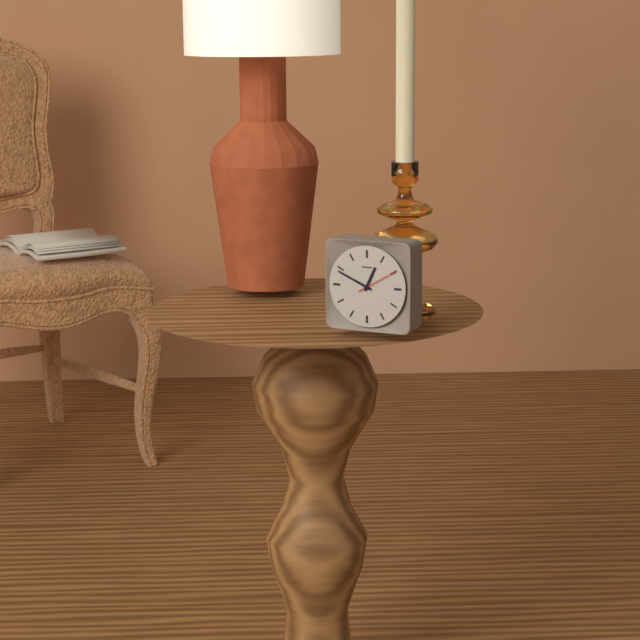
12:49
